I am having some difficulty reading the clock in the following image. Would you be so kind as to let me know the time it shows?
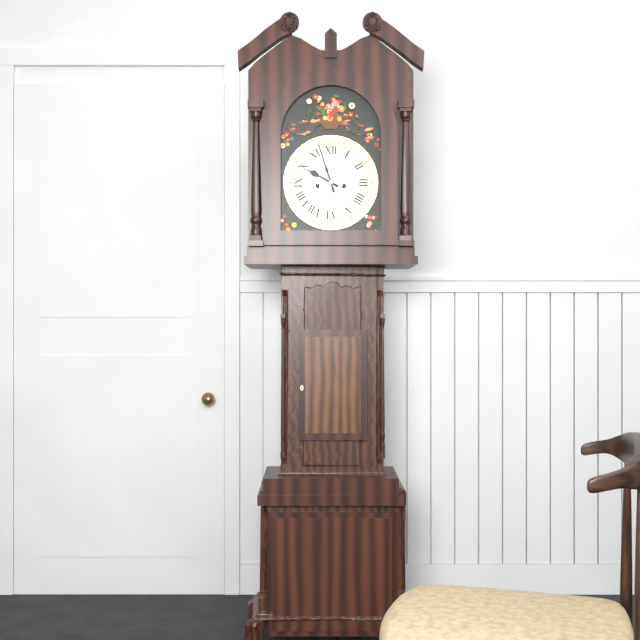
9:57
